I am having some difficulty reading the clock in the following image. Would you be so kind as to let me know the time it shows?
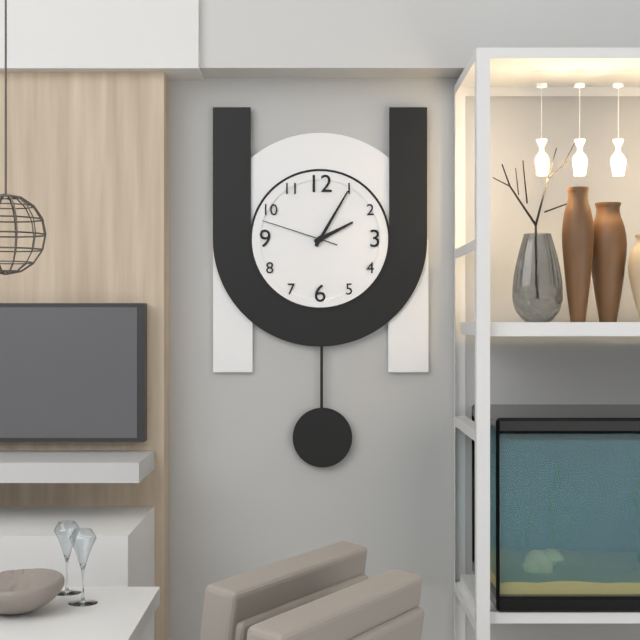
2:05:48
